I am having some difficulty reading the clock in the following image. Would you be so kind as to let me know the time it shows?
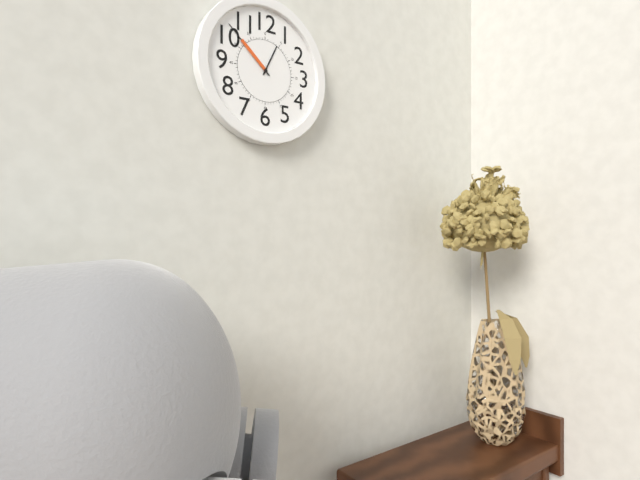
12:52
